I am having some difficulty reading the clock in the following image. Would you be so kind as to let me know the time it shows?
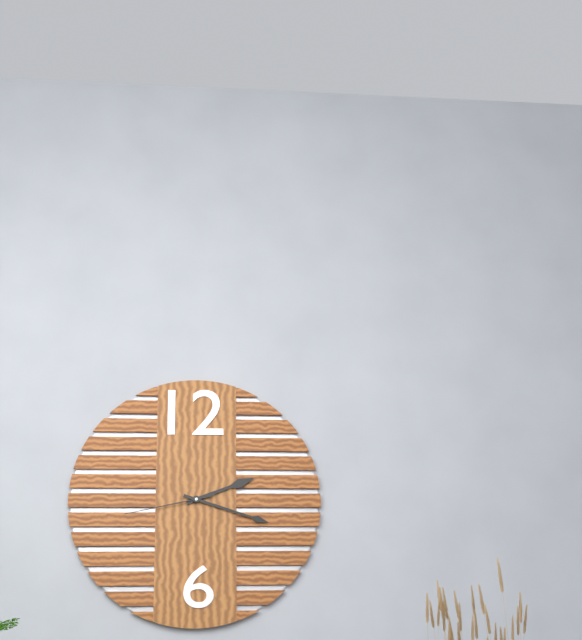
2:18:43
